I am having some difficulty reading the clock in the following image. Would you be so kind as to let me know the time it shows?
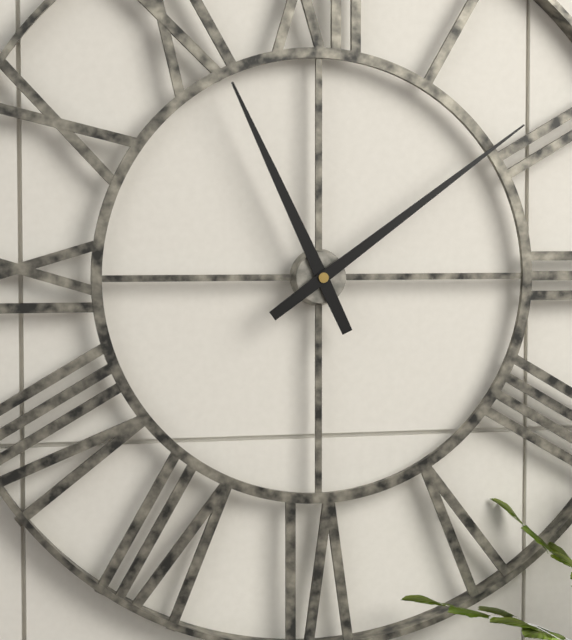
11:09
